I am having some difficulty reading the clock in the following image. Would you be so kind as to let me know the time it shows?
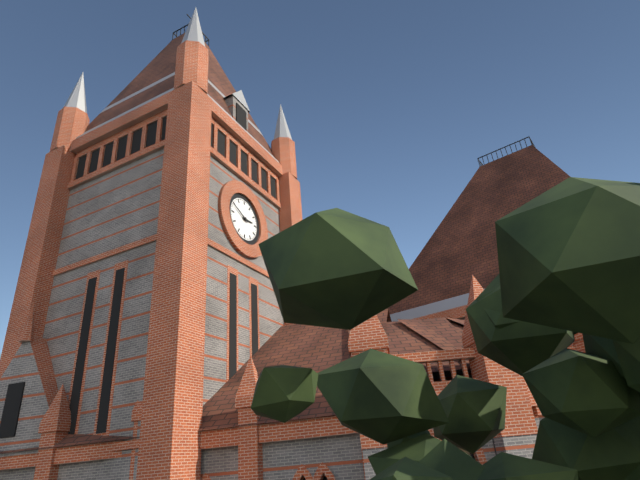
2:49
